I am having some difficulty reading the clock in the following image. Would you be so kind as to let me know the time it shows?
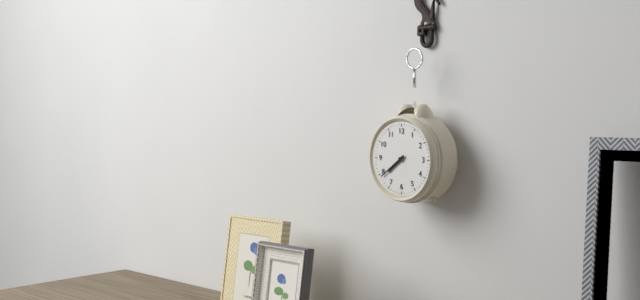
7:39
